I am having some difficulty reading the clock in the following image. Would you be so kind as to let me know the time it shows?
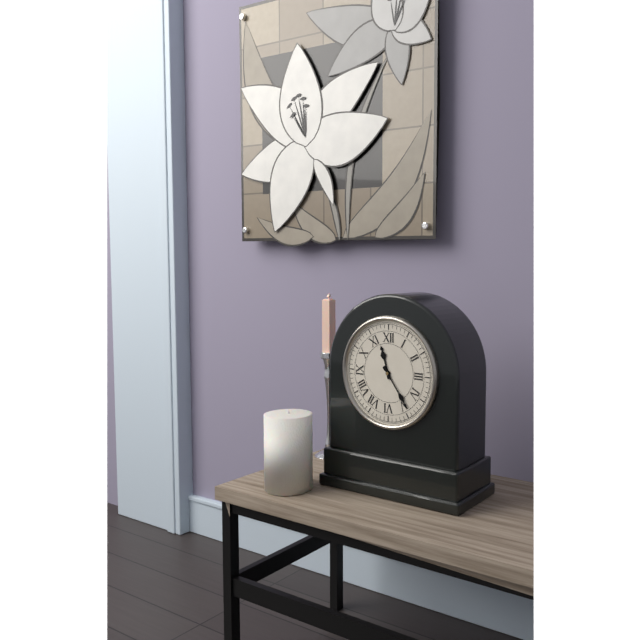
11:24
